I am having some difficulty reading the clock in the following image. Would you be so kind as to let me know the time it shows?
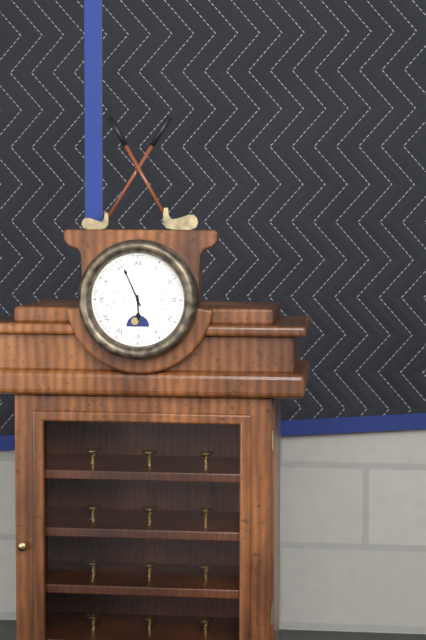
5:56
